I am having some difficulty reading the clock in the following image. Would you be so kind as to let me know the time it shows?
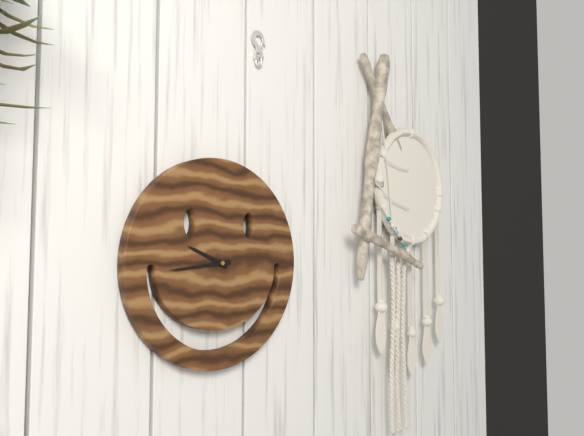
9:44
